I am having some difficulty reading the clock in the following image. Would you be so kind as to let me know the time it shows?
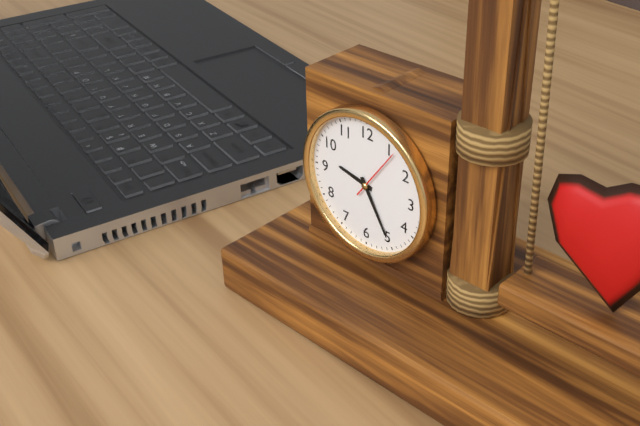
9:25:06
